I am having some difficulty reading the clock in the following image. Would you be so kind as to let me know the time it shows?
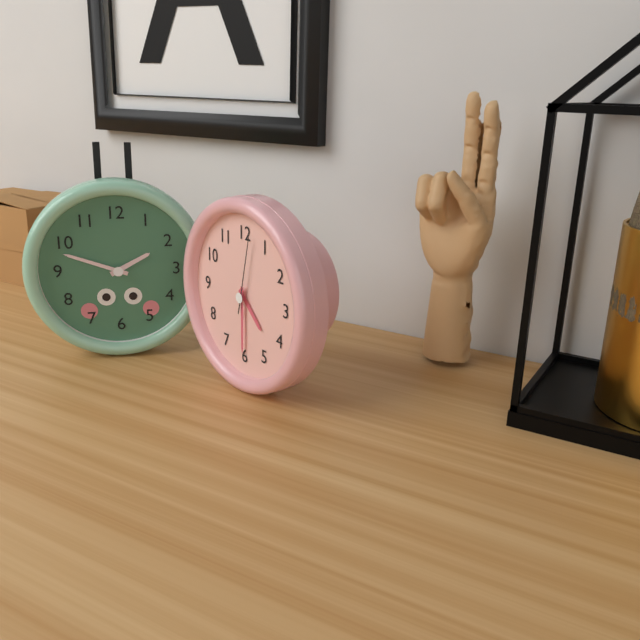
4:30:02
